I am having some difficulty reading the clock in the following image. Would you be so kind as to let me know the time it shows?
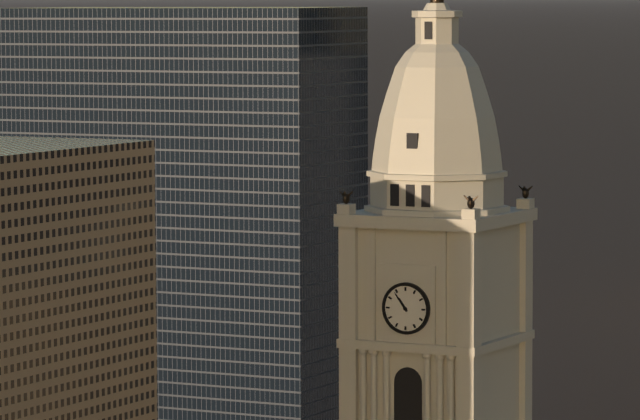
10:54
